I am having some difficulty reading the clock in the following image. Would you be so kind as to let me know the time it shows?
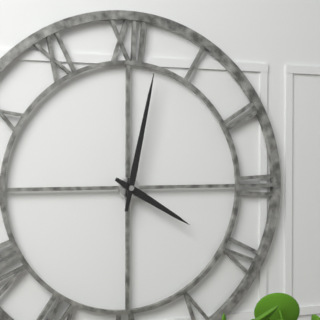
4:02
